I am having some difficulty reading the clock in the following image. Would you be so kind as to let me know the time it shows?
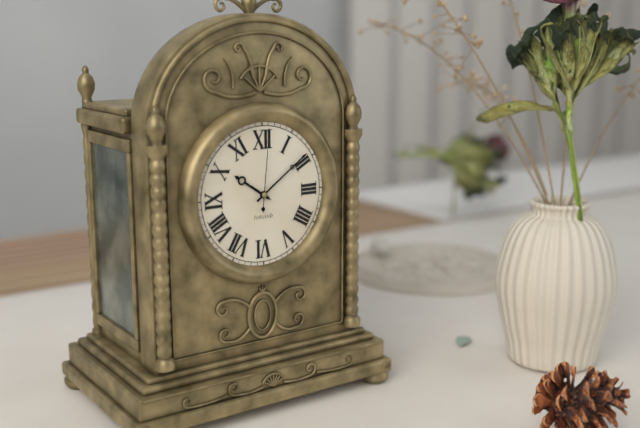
10:09:01
